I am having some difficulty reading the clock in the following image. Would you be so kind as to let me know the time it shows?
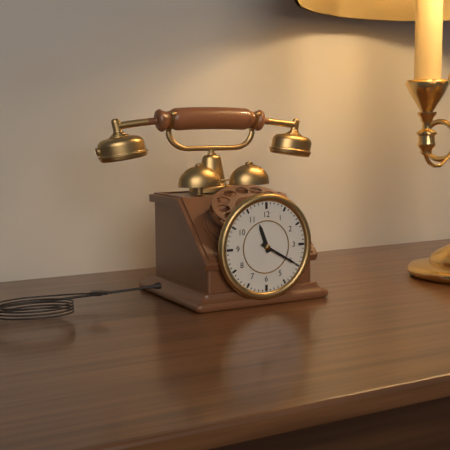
11:20
